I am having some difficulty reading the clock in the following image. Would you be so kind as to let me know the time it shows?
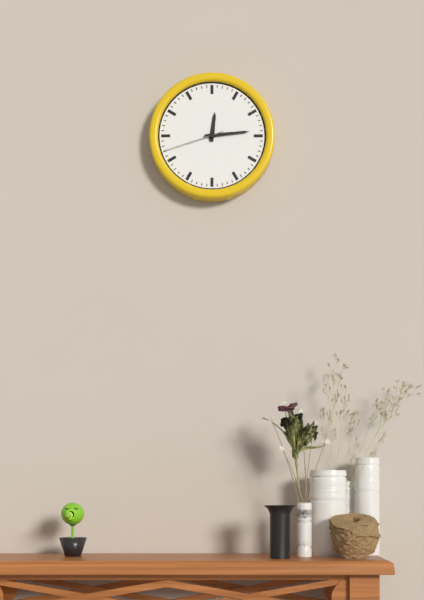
12:14:42
